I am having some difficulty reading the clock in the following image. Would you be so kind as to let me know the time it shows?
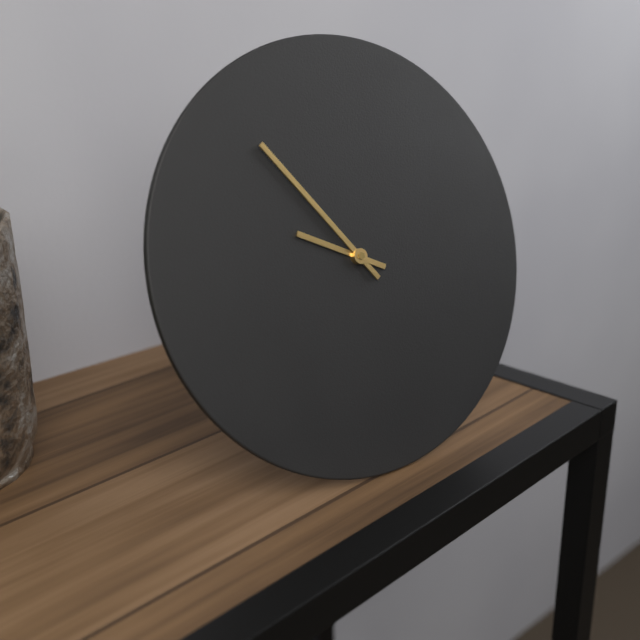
9:54
